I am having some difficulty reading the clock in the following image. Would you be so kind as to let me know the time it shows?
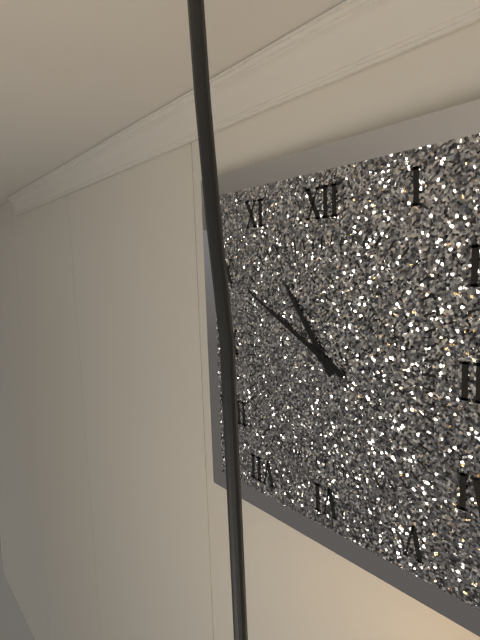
10:50
